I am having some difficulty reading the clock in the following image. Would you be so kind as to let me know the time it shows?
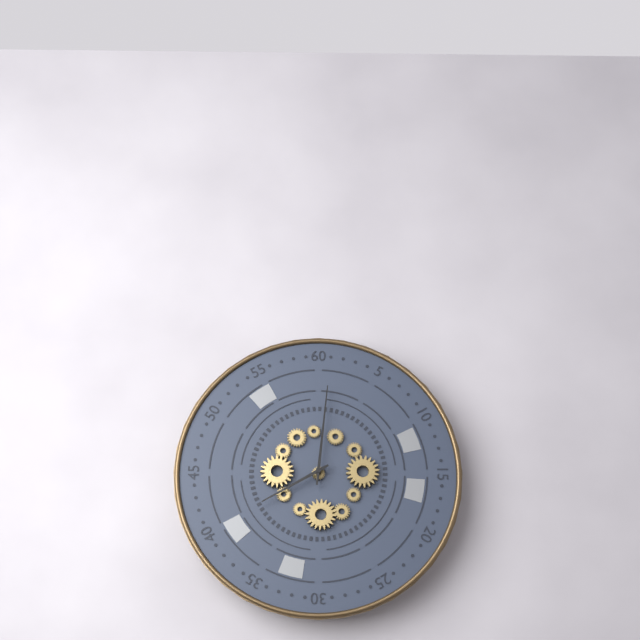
8:01
